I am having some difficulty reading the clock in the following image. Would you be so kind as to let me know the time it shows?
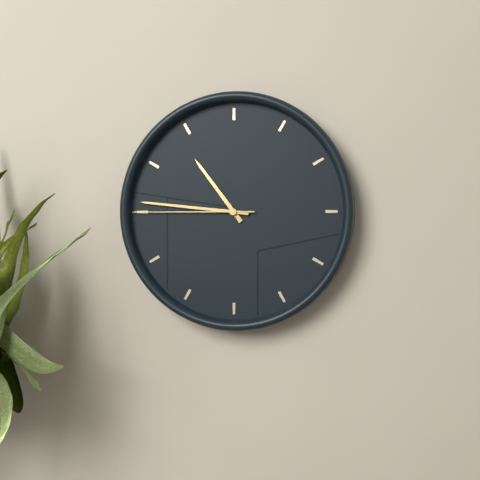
10:46:45
